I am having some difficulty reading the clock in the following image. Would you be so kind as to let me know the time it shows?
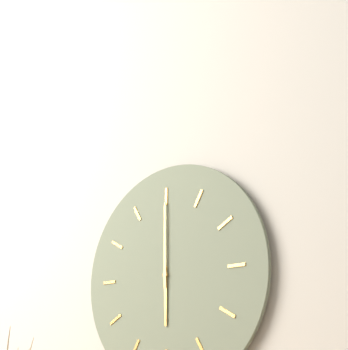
6:00
